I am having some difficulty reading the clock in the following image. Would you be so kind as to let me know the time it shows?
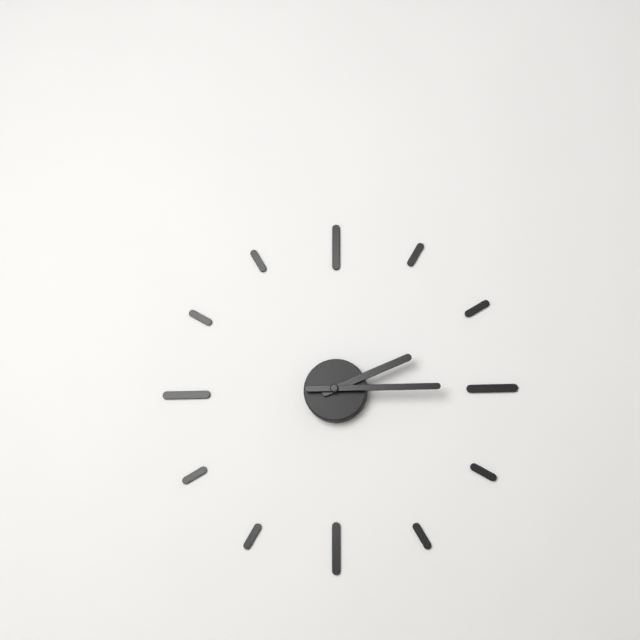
2:15
